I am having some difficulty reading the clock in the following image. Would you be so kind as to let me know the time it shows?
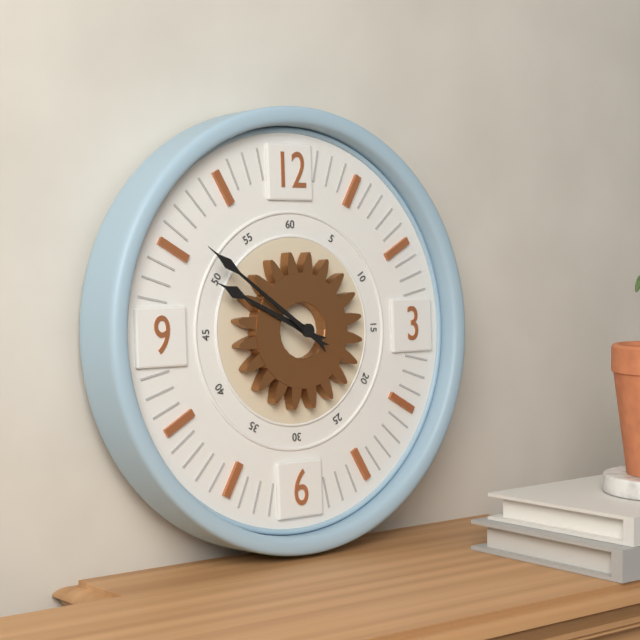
9:51
